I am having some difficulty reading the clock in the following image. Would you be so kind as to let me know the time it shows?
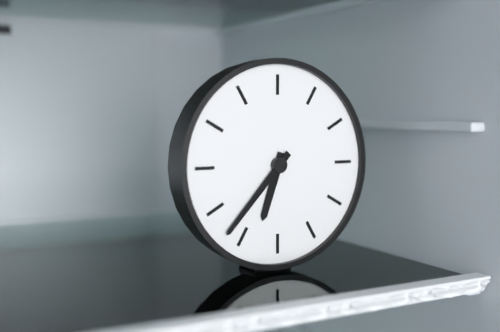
6:37
